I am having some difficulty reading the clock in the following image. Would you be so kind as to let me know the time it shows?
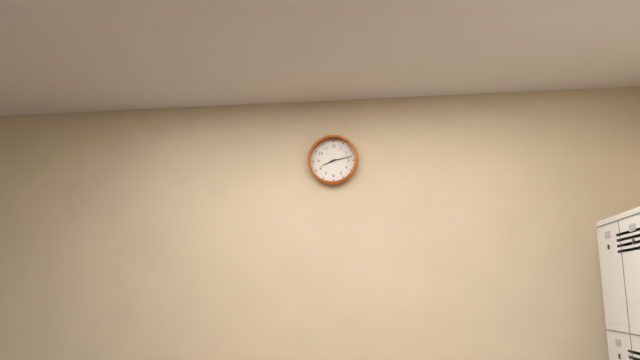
8:13
